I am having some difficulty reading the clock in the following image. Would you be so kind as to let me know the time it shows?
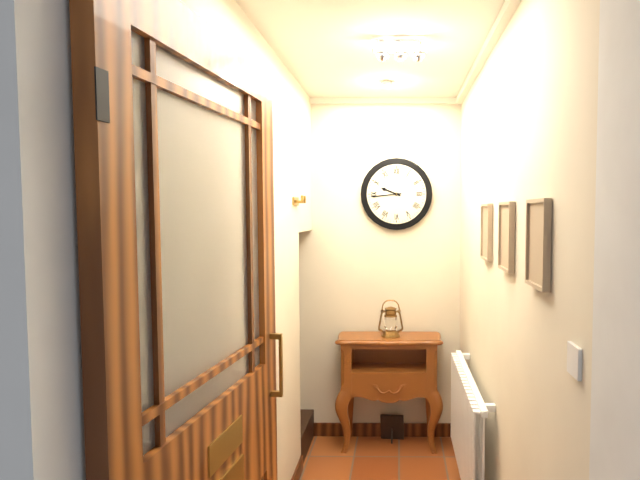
9:44
